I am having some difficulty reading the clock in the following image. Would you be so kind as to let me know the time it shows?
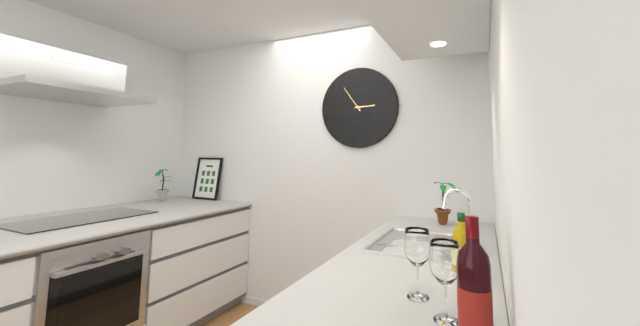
2:54
